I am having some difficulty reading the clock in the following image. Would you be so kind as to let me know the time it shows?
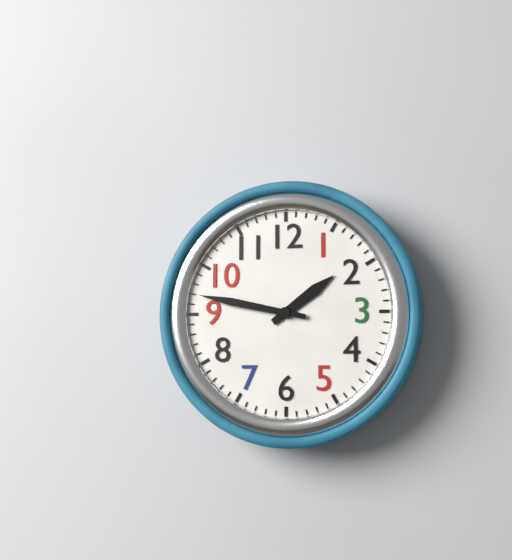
1:47
